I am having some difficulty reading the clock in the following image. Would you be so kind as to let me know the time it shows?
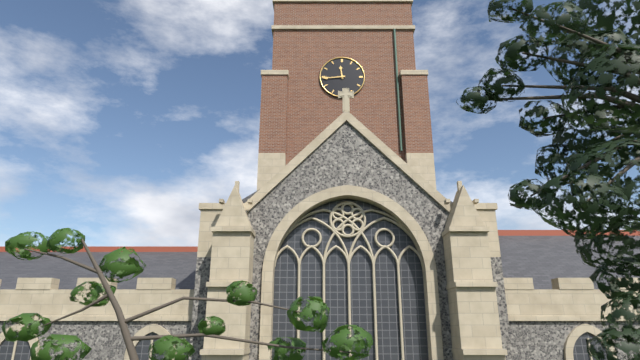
11:44
